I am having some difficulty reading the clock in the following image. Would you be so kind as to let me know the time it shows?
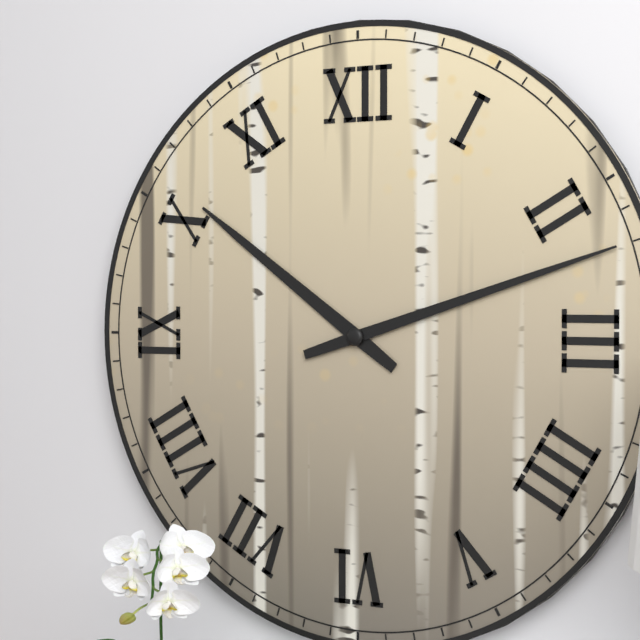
10:12
